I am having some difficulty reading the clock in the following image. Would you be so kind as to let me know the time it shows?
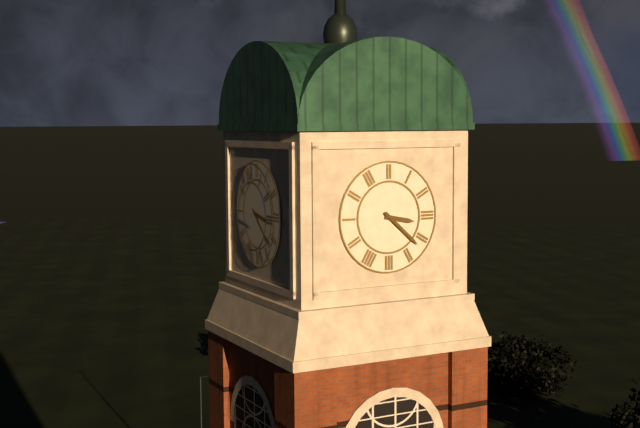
3:22
